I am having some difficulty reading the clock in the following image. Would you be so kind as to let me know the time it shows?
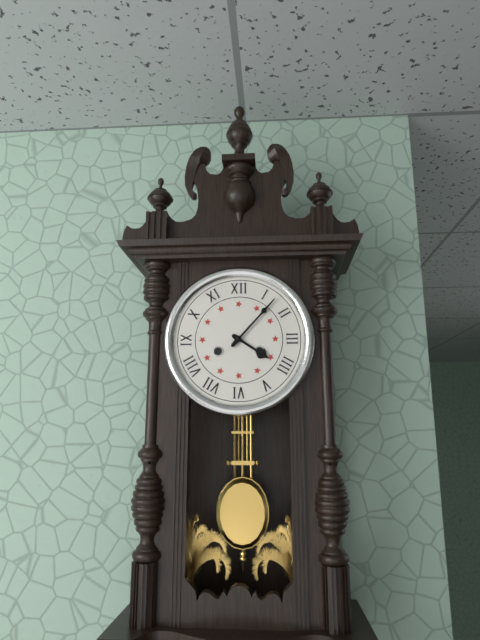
4:07
